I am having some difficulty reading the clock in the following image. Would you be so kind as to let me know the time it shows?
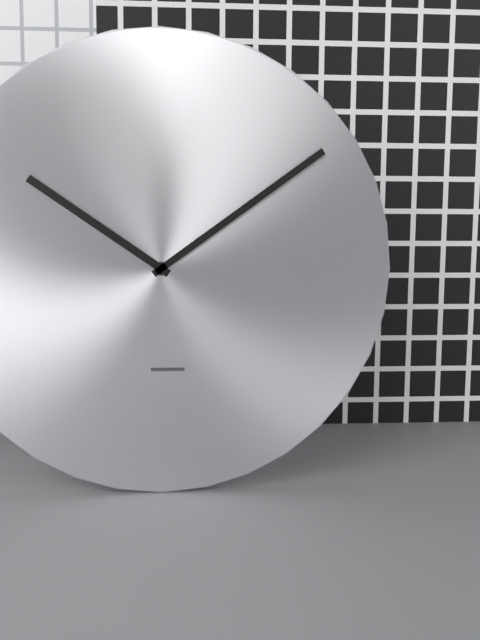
10:09
